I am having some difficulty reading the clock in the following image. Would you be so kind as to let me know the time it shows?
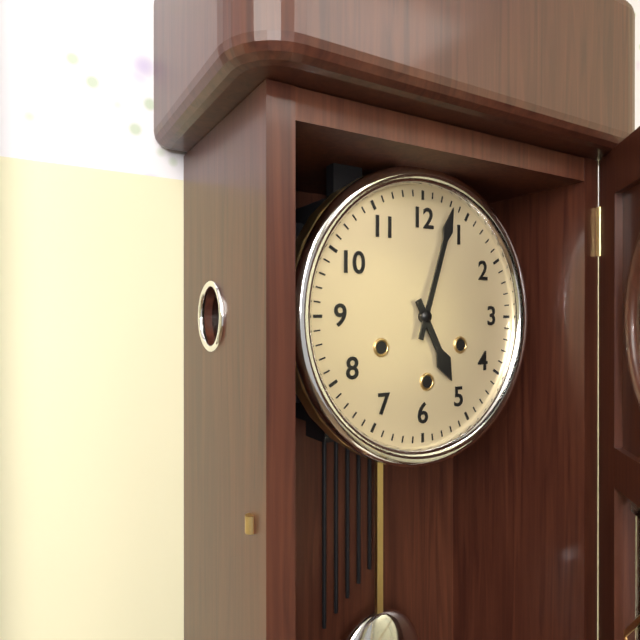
5:03
